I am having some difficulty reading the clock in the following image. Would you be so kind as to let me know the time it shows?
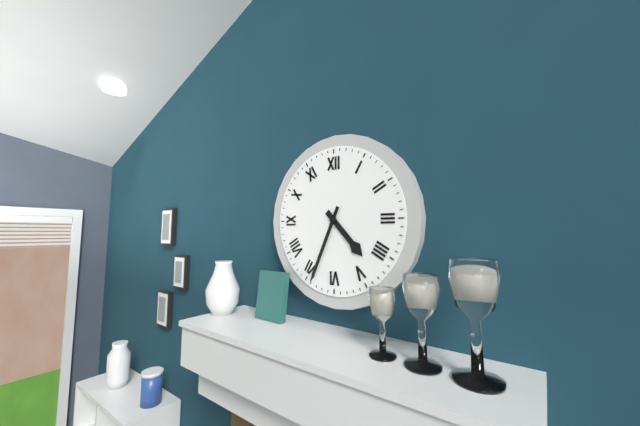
4:34
